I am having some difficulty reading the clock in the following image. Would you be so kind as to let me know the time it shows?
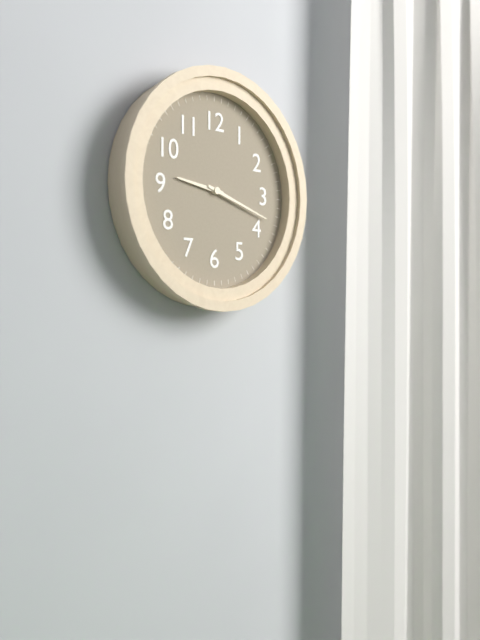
9:18
